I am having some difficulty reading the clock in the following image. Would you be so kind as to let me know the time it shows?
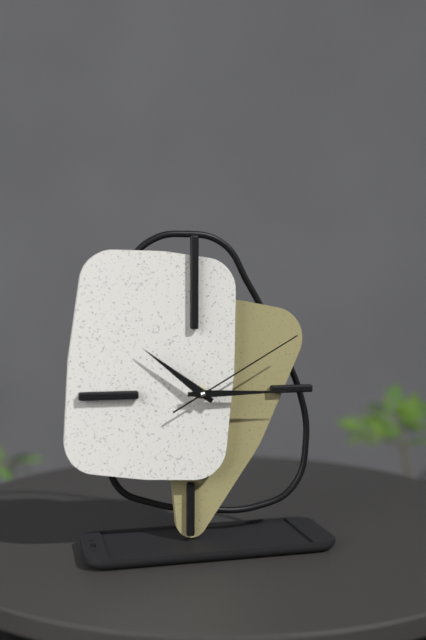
10:15:10
